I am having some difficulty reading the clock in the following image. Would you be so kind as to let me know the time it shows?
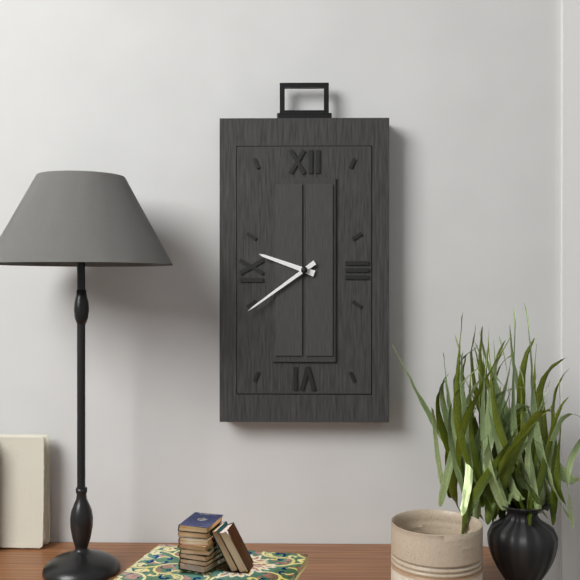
9:39
